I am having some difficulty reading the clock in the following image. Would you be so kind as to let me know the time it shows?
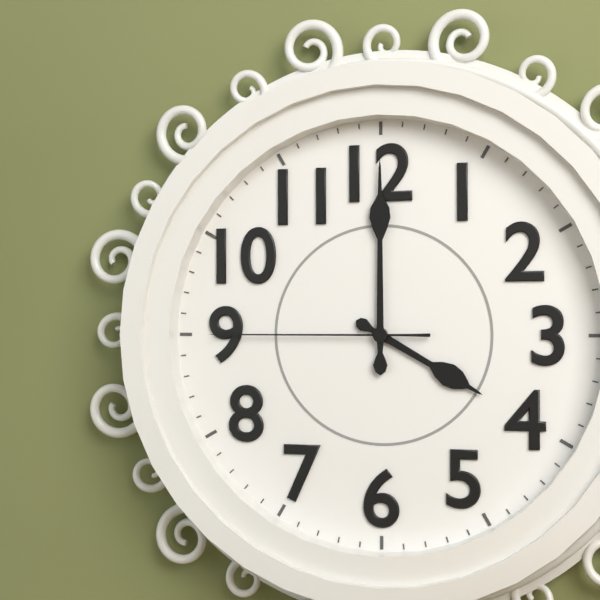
4:00:45
